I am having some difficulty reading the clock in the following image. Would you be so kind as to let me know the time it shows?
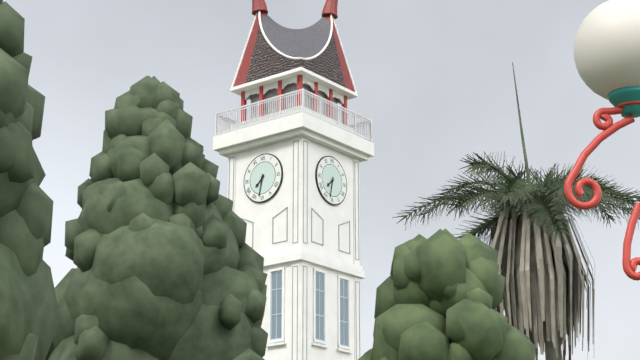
7:32
